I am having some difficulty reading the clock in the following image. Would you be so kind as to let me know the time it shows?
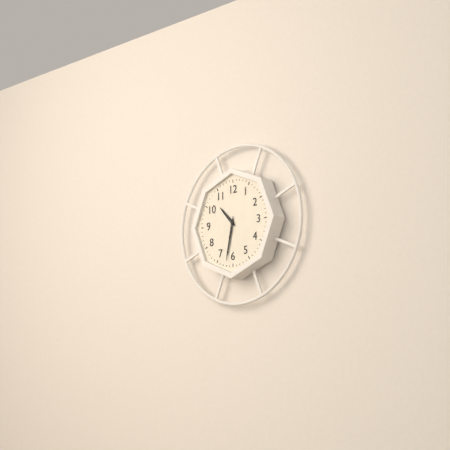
10:32
